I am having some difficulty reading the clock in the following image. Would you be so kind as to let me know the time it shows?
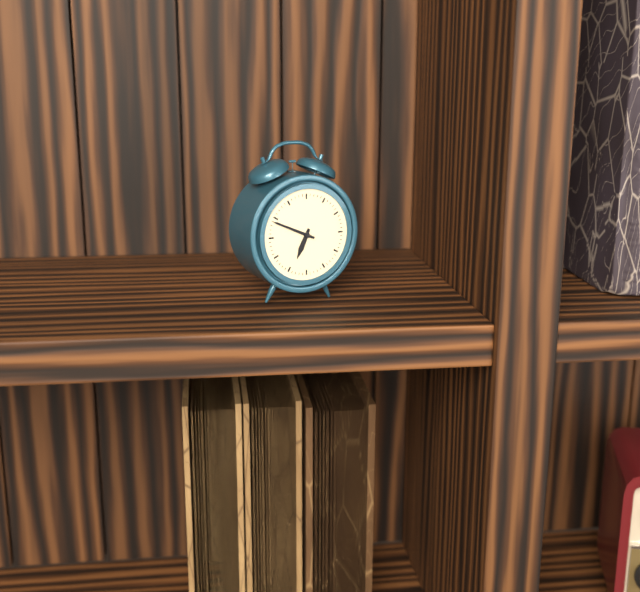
6:49
